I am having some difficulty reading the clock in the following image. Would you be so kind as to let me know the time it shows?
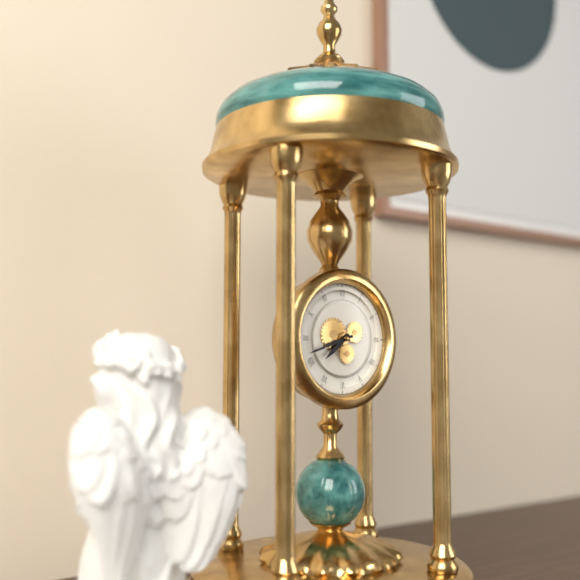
7:42
